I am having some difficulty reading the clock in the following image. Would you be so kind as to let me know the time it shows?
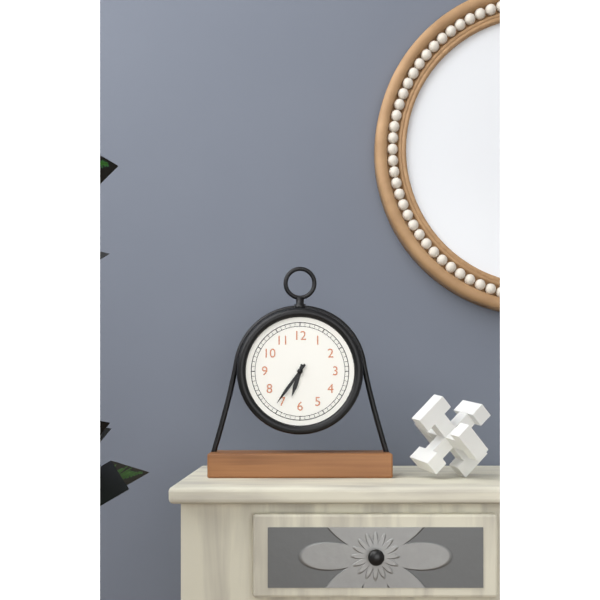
6:36
